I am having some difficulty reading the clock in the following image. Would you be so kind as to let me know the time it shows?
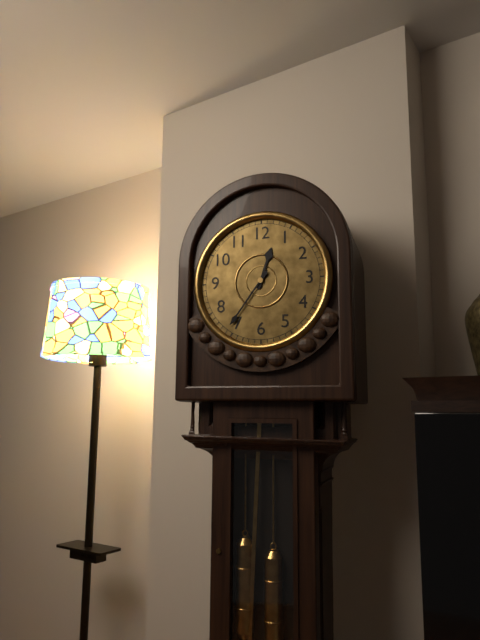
12:36
